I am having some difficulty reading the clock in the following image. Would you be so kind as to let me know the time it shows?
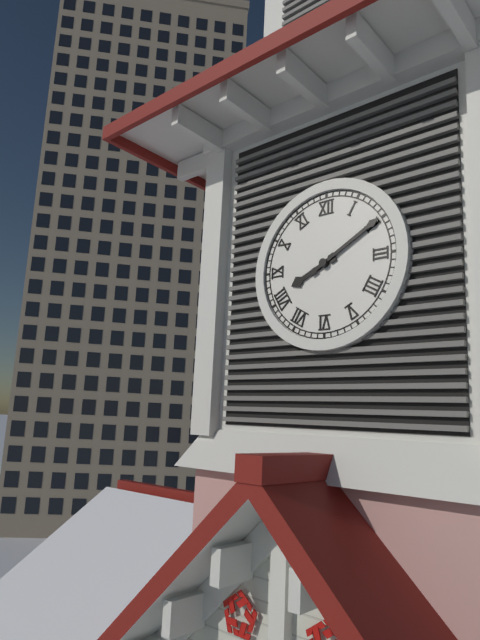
8:10
